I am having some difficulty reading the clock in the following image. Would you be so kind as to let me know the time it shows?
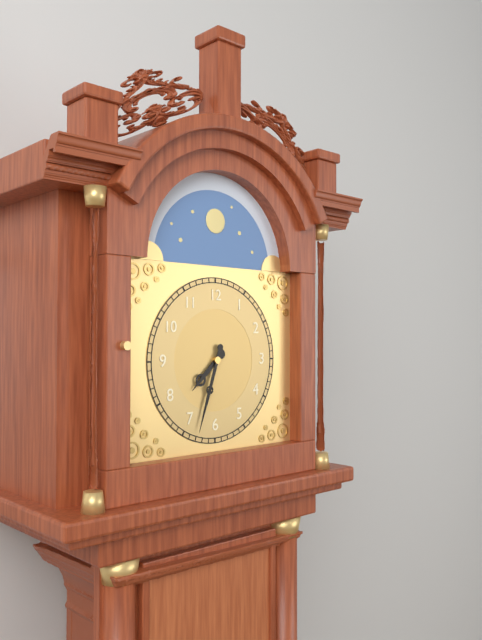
7:33
